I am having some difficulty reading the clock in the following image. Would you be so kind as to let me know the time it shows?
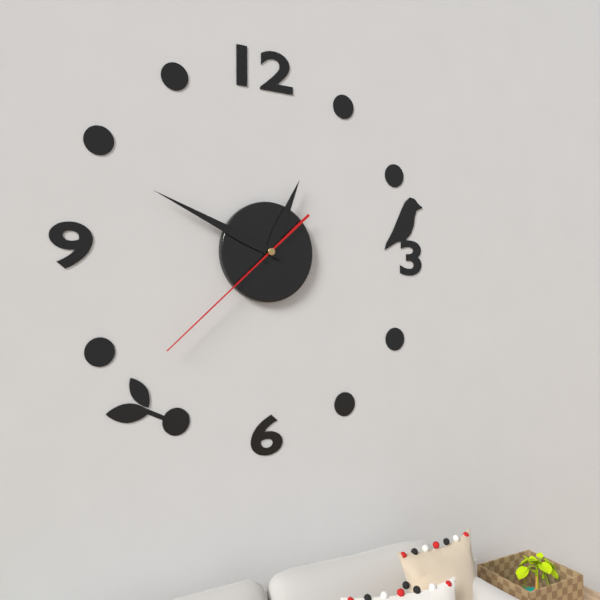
12:49:38
